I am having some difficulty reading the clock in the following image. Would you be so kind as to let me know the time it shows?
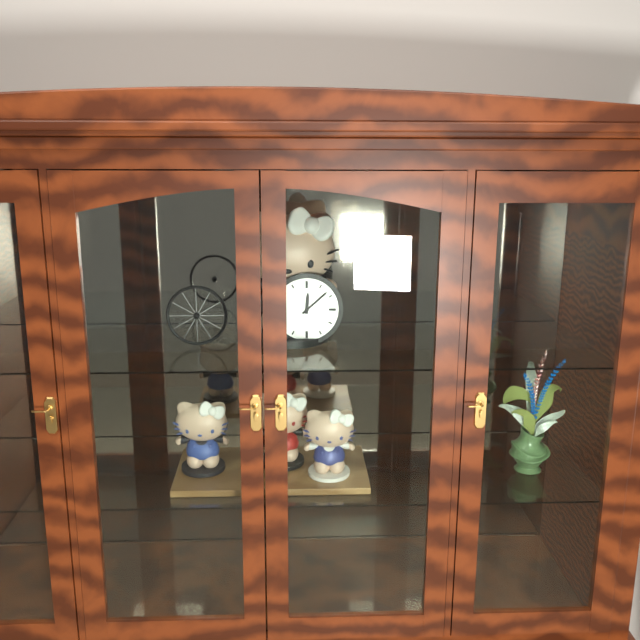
12:08
